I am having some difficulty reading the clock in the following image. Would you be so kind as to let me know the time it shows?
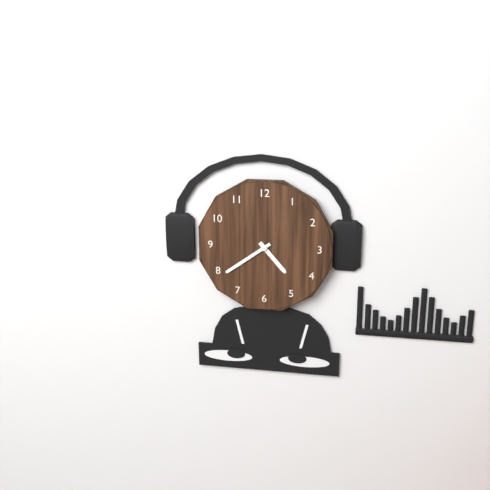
4:39
